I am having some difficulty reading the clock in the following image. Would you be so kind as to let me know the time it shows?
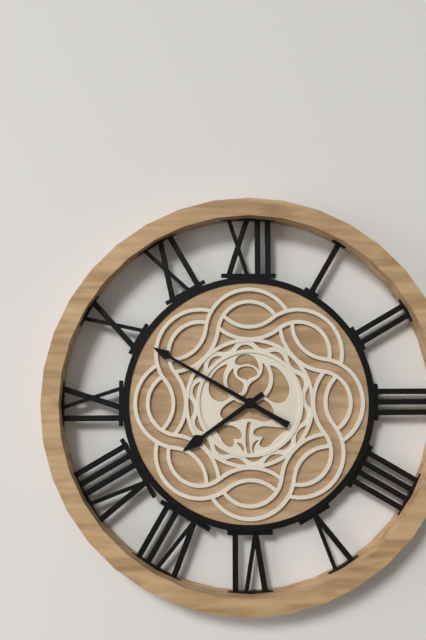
7:50
